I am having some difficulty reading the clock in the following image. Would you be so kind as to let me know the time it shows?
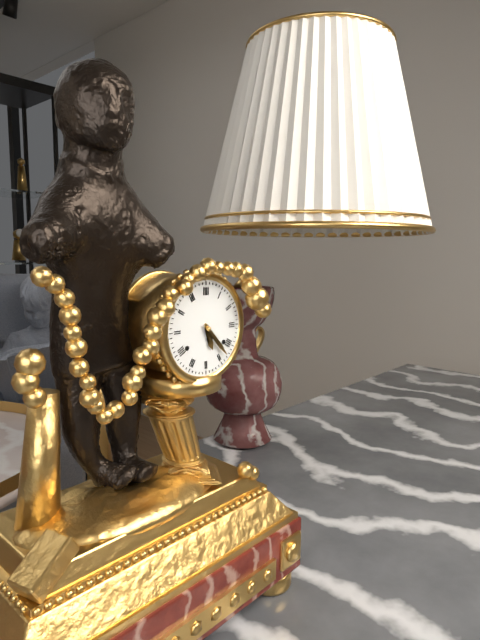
5:23
